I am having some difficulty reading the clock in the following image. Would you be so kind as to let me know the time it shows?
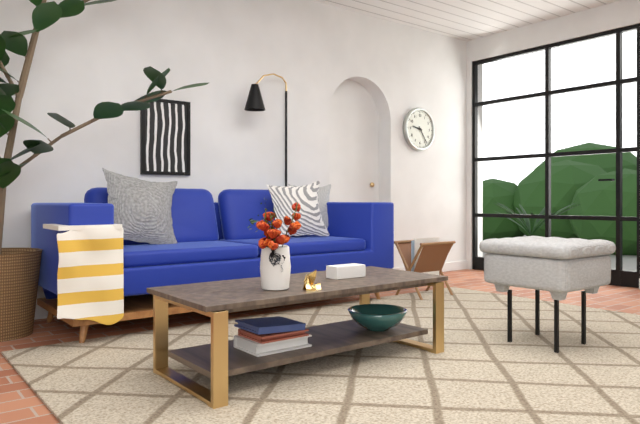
9:24
